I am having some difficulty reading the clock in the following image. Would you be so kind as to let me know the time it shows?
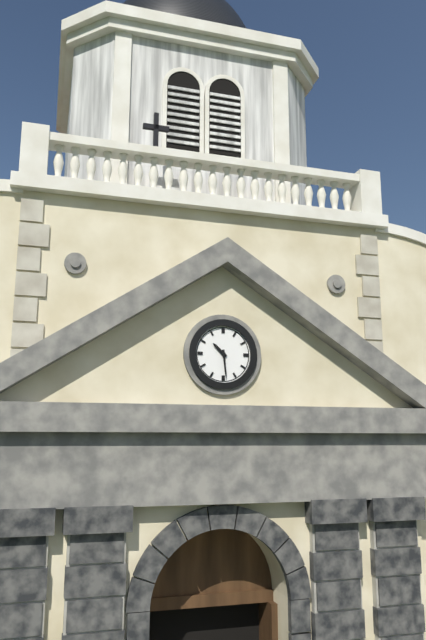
10:29
